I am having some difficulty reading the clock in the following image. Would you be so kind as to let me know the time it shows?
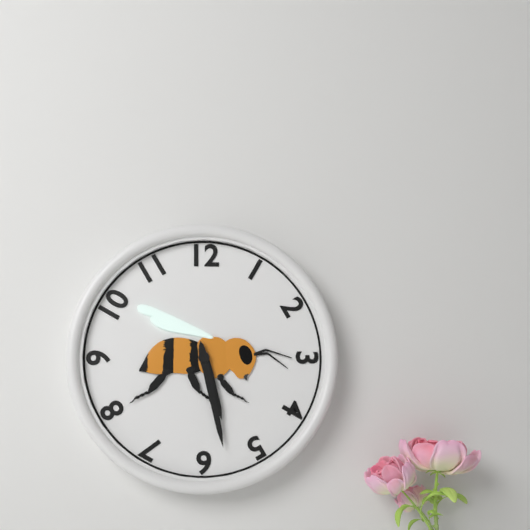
5:28
